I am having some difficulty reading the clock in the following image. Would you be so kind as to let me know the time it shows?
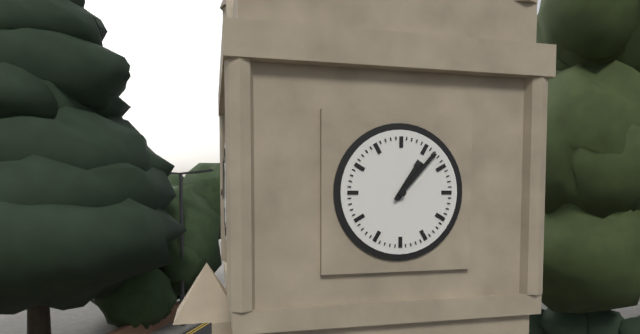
1:07
